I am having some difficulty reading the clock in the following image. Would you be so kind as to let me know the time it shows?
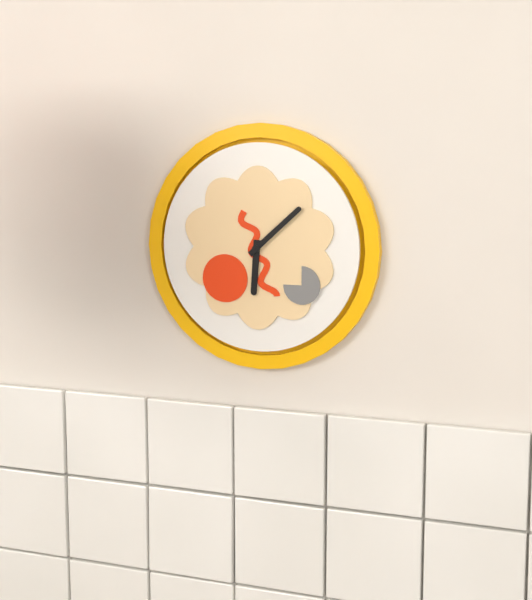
6:08
